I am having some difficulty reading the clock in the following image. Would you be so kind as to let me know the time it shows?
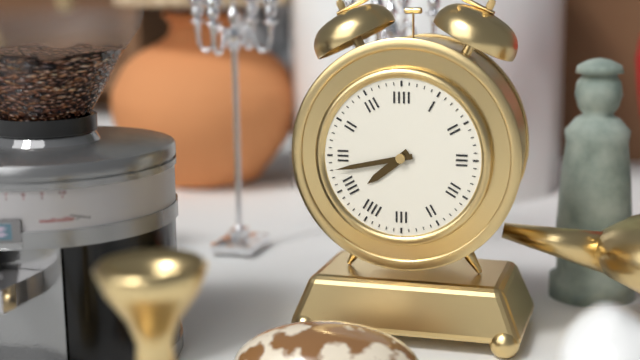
7:43
